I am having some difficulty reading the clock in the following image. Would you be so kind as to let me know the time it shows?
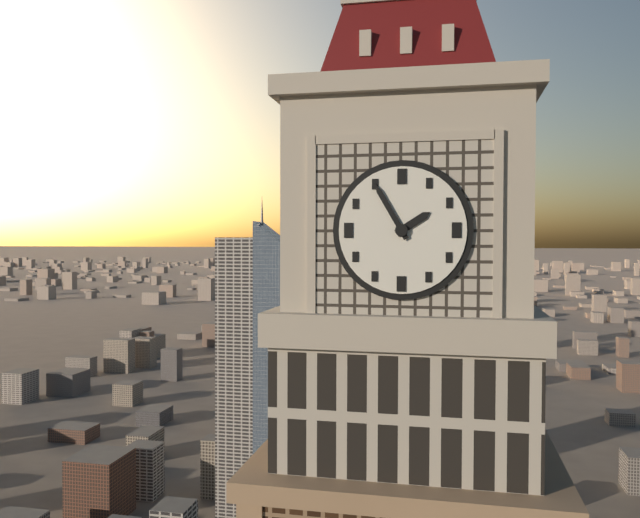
1:55
